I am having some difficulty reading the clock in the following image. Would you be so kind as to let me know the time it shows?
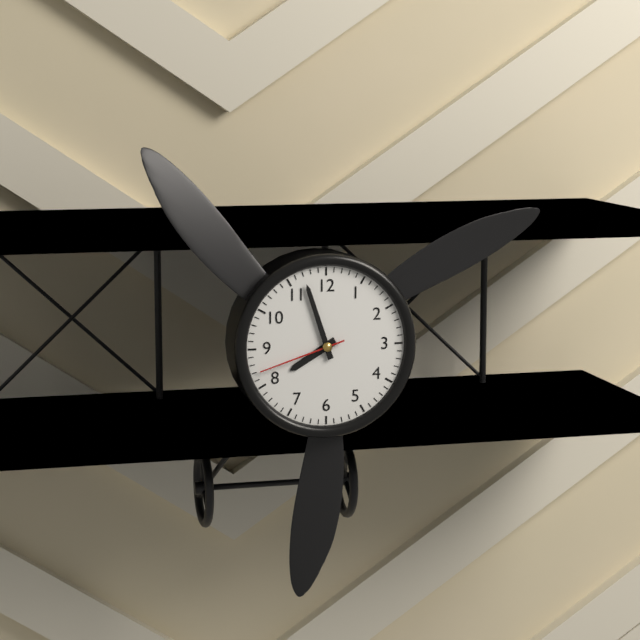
7:57:42
